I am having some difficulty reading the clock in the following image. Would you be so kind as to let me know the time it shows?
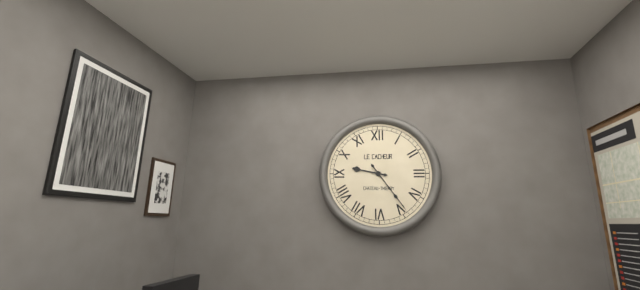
9:24
